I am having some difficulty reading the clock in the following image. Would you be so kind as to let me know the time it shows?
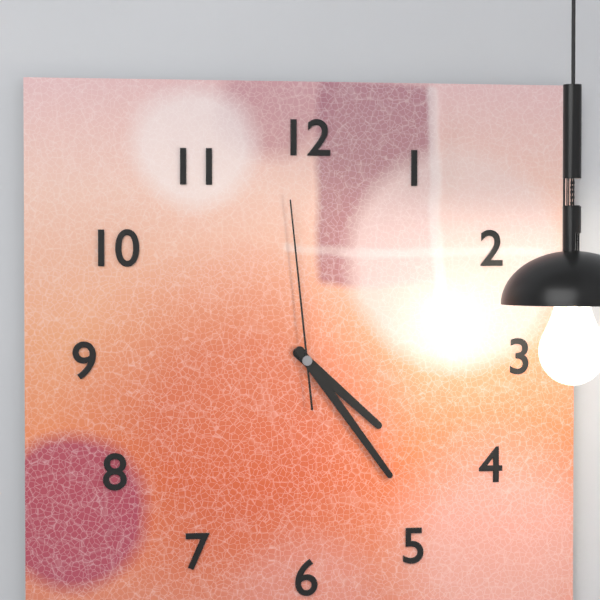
4:24:59
